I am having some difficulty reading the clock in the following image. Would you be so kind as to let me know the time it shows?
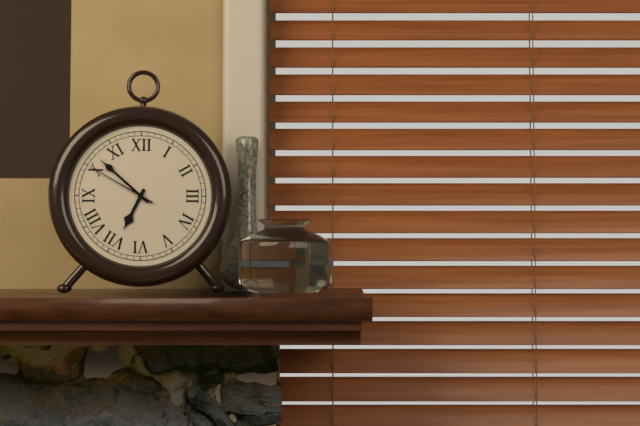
6:52:50
